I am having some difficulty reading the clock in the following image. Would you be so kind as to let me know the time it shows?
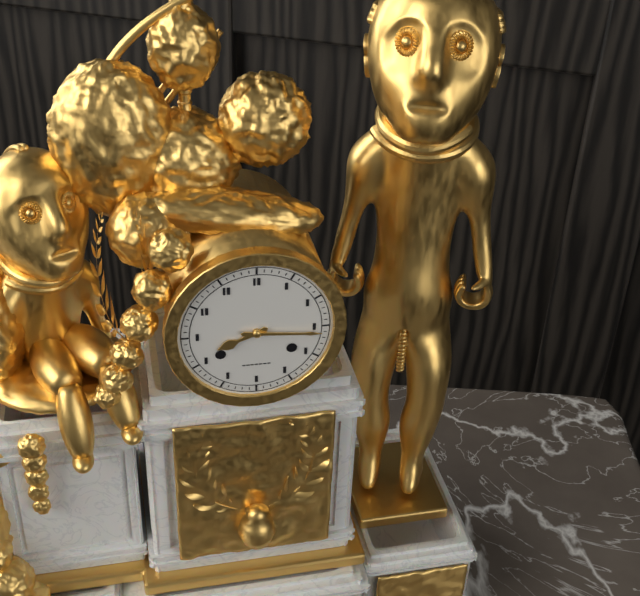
8:16
